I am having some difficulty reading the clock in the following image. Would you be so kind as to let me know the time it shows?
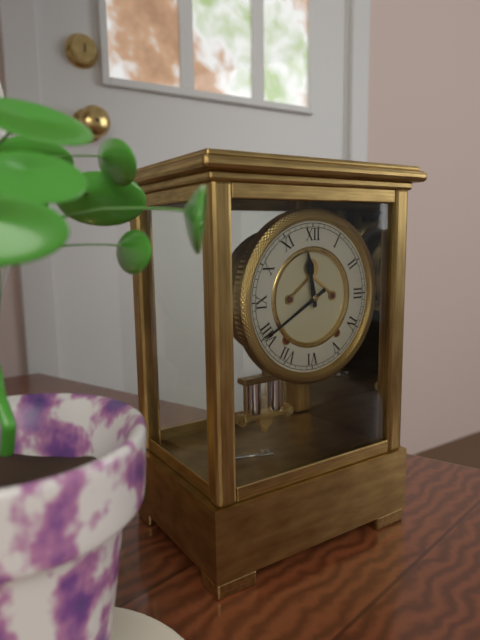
11:40
